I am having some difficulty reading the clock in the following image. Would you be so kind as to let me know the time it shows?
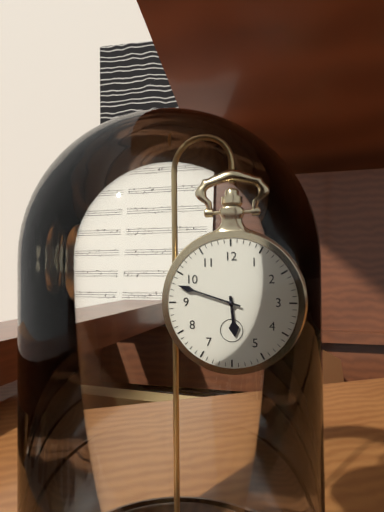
5:48
